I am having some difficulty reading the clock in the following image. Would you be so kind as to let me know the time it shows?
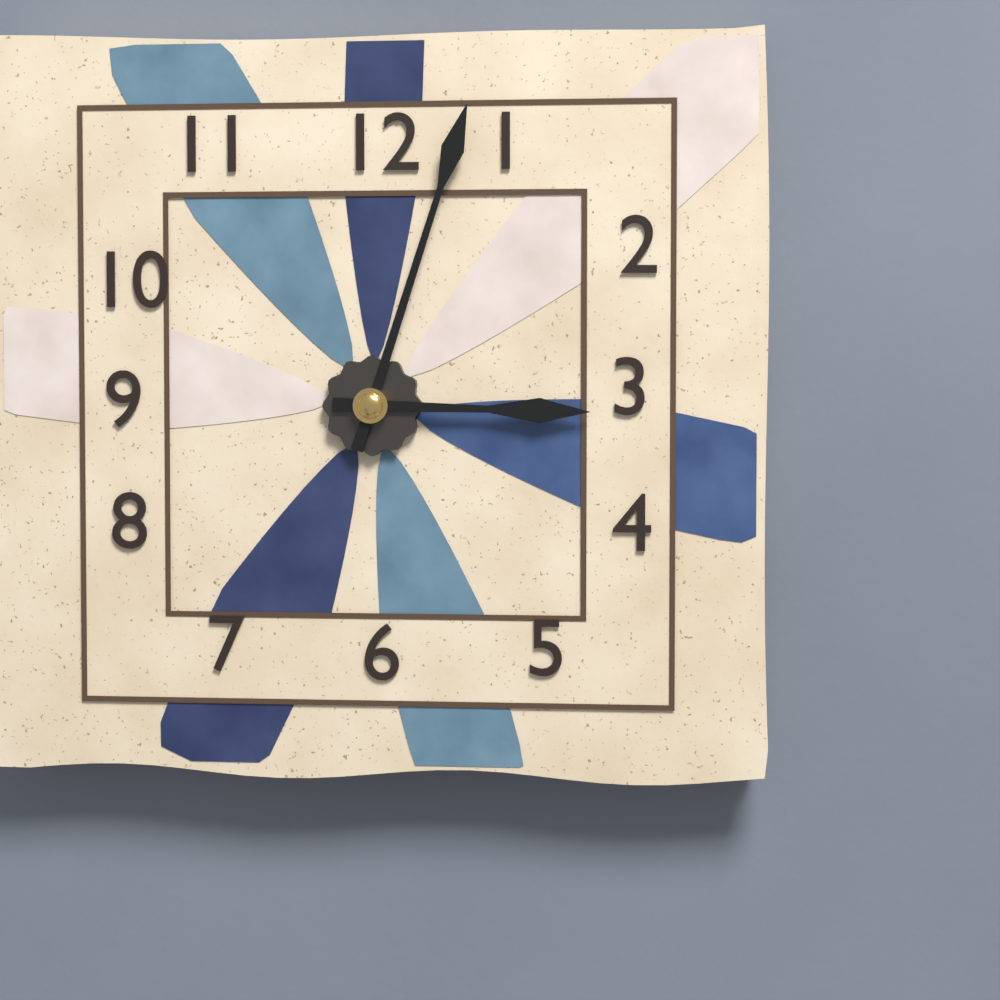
3:03
